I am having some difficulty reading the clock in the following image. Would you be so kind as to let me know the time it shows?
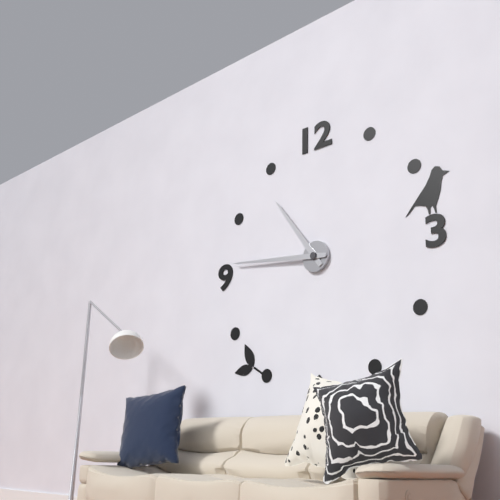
10:46
